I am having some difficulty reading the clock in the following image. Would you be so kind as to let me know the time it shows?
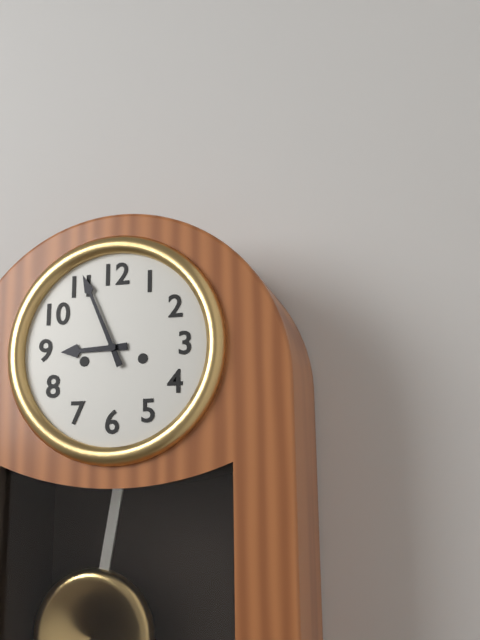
8:56
